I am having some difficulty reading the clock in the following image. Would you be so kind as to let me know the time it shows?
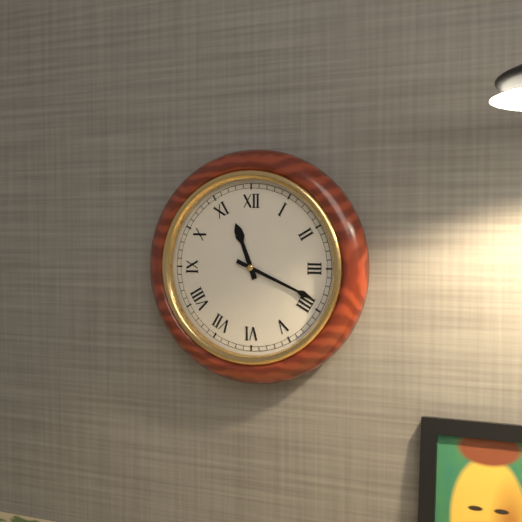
11:19
